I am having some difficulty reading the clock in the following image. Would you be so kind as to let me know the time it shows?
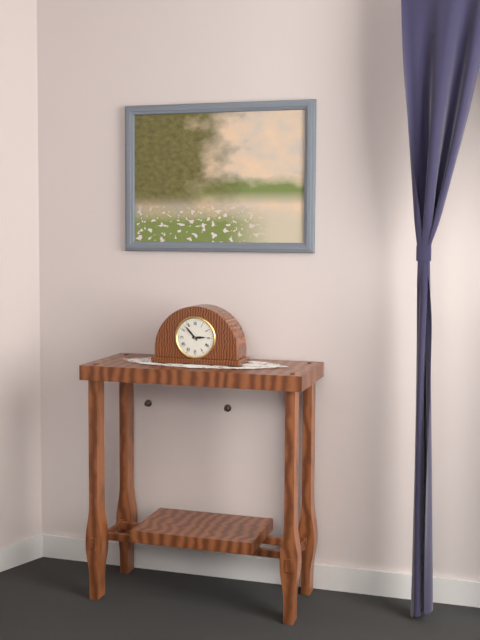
2:53
